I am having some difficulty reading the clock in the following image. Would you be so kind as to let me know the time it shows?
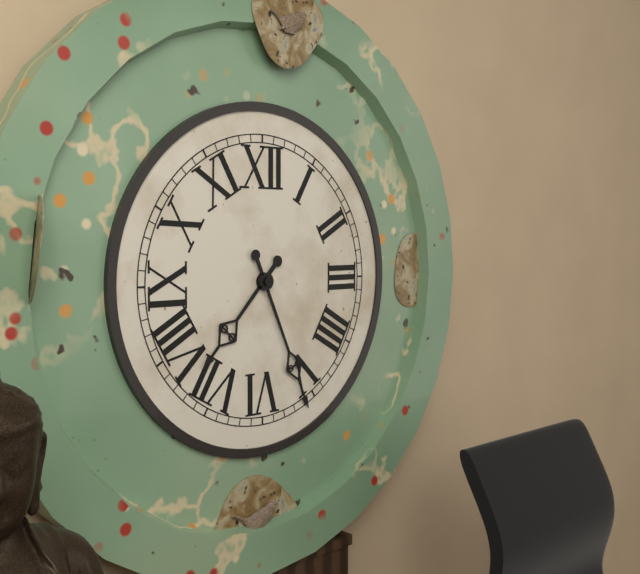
7:26
